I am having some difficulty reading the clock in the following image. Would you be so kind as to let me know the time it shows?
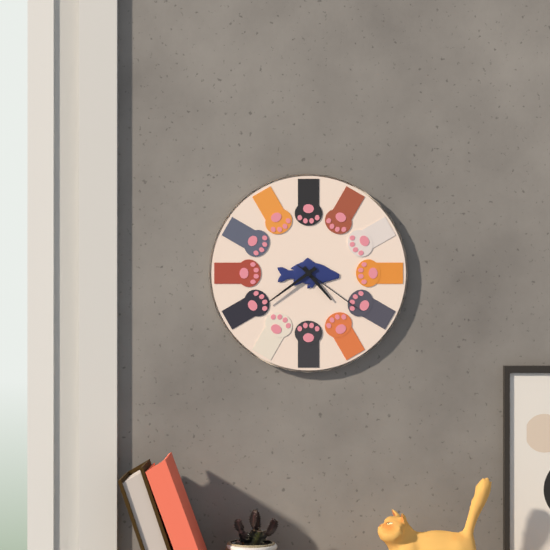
4:39:21
